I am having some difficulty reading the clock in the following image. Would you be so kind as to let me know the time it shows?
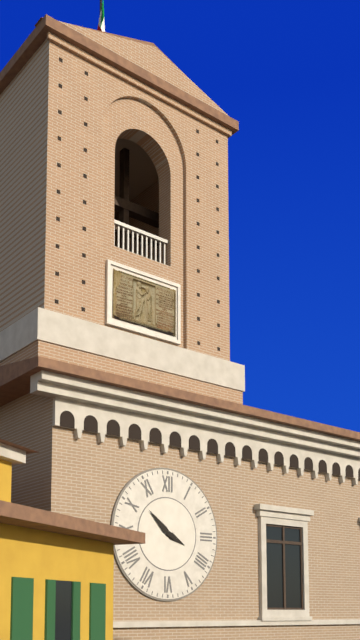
3:52
